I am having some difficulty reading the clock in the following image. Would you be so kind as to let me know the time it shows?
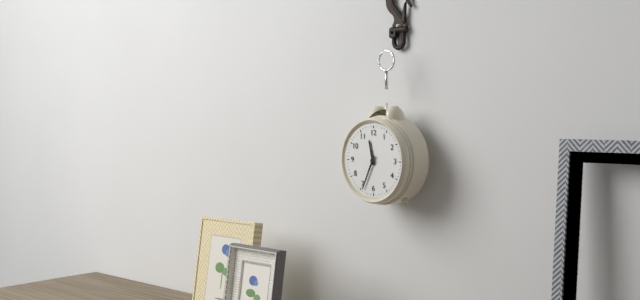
11:34
